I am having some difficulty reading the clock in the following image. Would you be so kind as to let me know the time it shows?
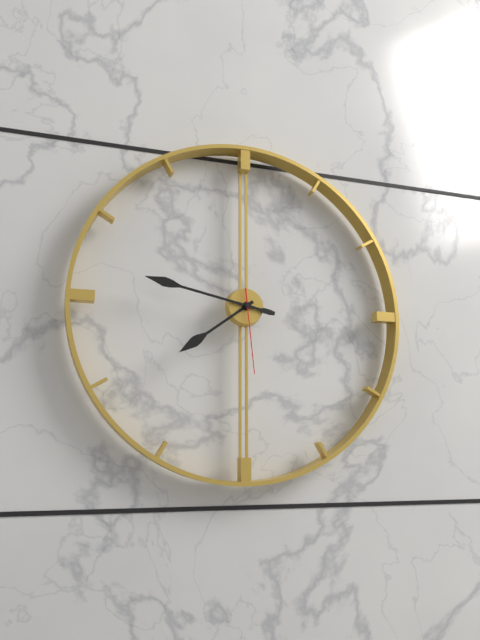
7:47:29
